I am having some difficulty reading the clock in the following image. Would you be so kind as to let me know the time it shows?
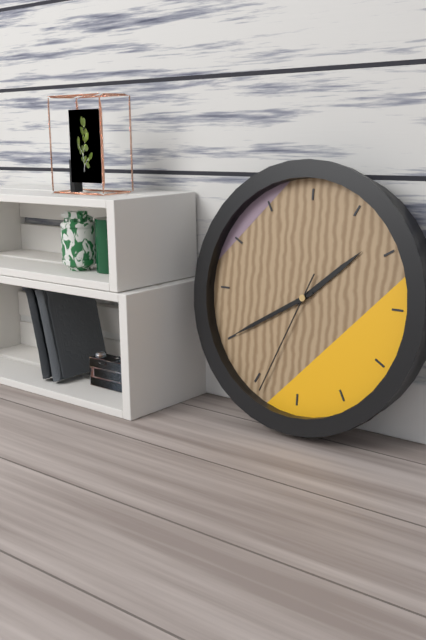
1:40:34
